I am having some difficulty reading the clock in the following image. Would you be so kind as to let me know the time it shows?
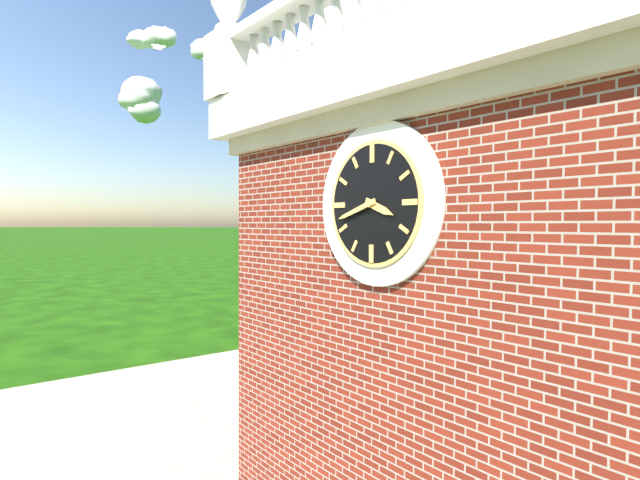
3:42
